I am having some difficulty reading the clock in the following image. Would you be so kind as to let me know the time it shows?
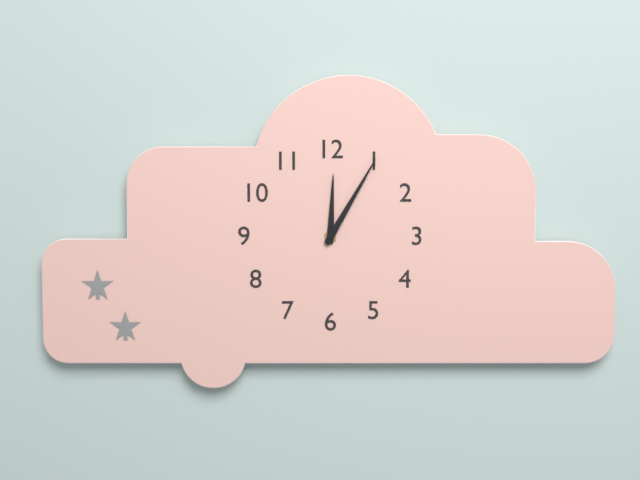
12:05
